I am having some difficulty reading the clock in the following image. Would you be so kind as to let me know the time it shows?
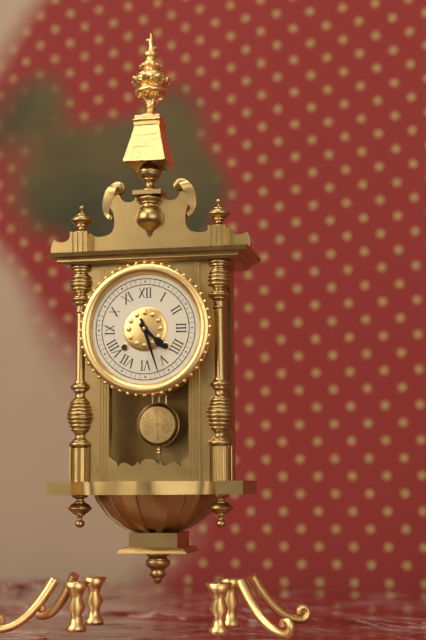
4:27
